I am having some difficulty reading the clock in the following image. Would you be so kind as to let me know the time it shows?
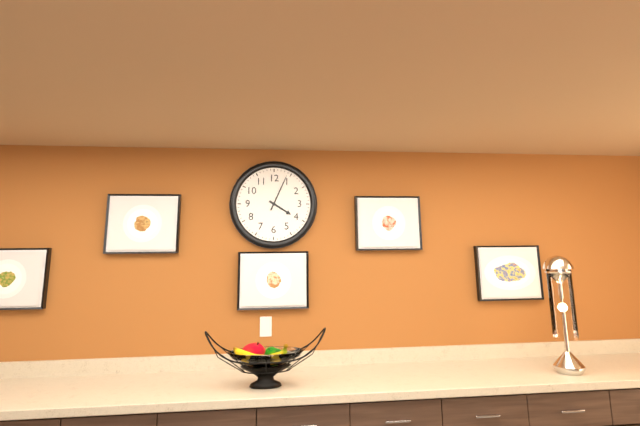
4:04
